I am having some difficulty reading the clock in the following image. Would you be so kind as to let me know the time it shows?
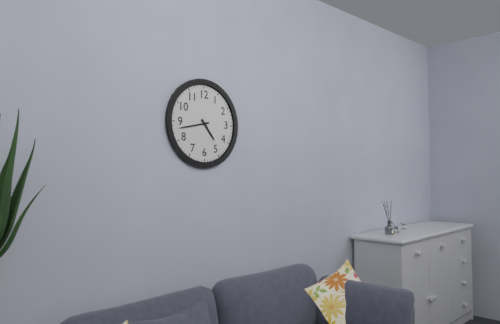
4:43
